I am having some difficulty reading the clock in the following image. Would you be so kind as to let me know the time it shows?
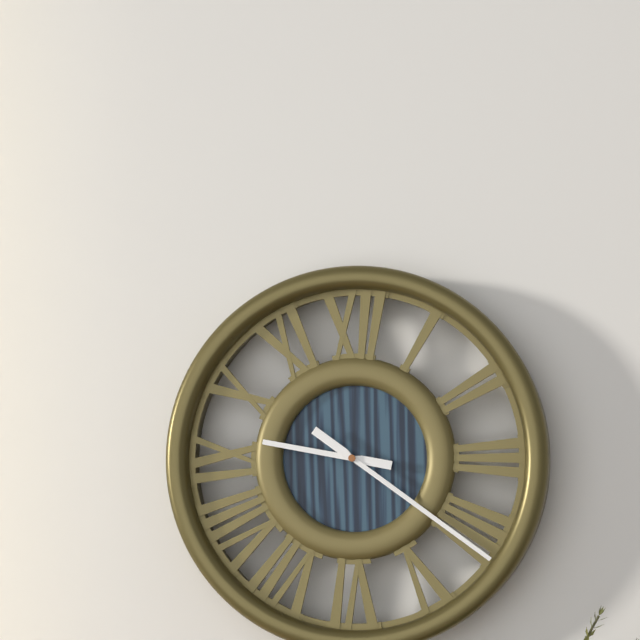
9:21
